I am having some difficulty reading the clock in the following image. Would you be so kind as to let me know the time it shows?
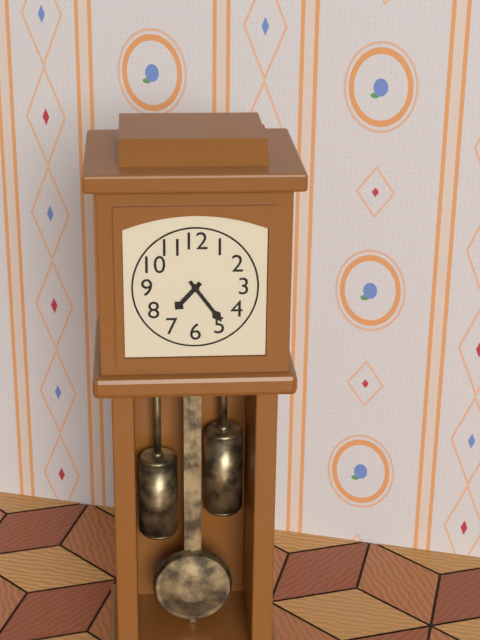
7:24
